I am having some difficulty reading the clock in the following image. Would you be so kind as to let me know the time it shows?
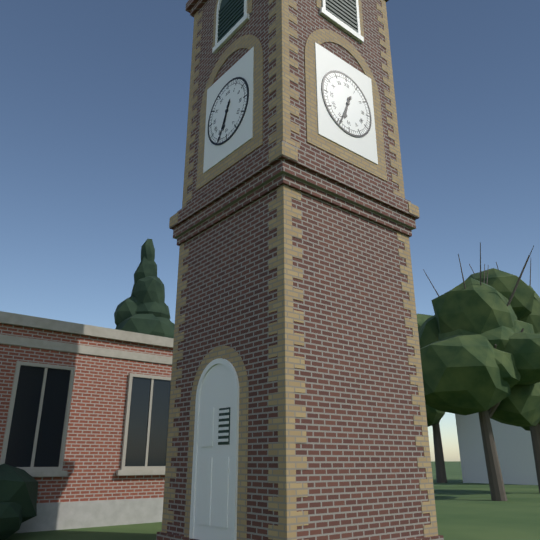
6:34
